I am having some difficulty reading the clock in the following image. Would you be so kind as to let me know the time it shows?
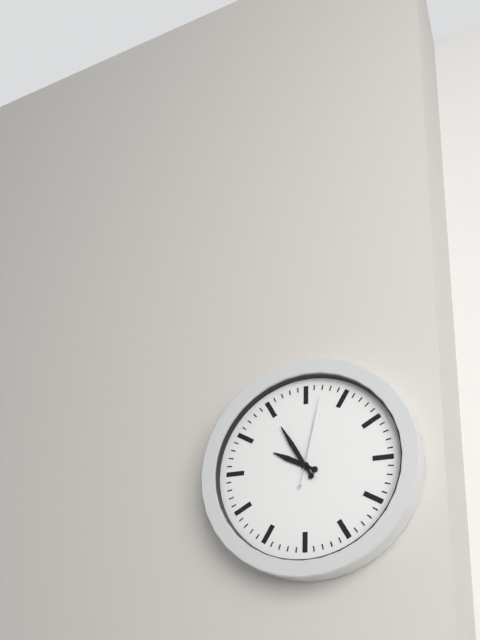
9:55:02
